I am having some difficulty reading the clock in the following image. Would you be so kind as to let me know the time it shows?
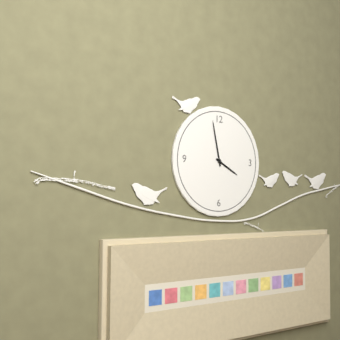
3:58
